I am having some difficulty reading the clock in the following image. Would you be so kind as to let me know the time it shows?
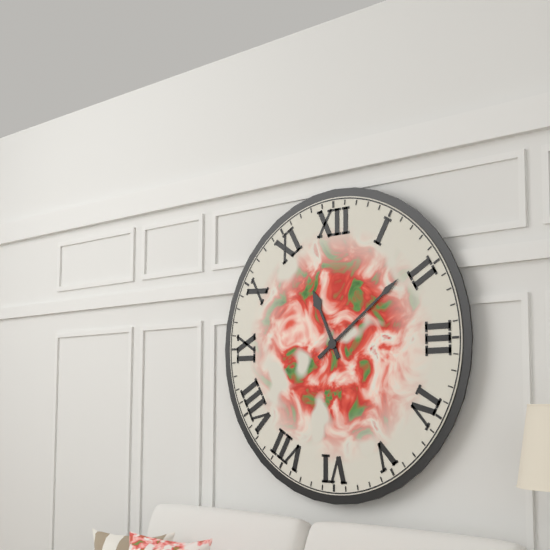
11:09
